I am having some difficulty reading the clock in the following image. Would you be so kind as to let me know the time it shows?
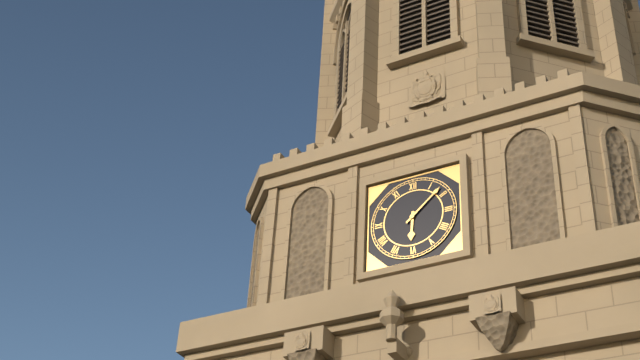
6:08
